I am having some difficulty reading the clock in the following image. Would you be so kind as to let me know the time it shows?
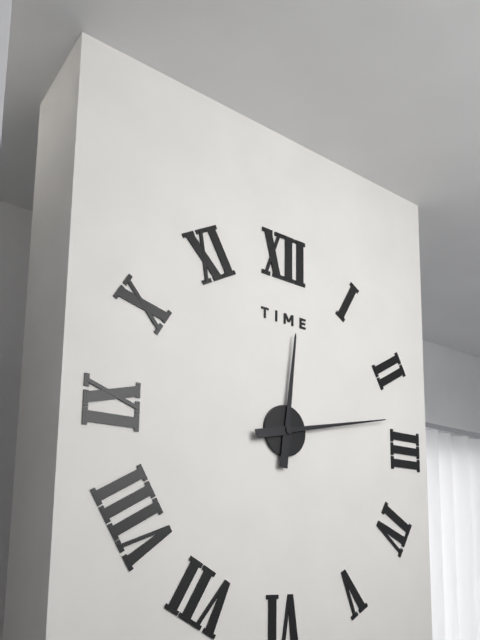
12:13
